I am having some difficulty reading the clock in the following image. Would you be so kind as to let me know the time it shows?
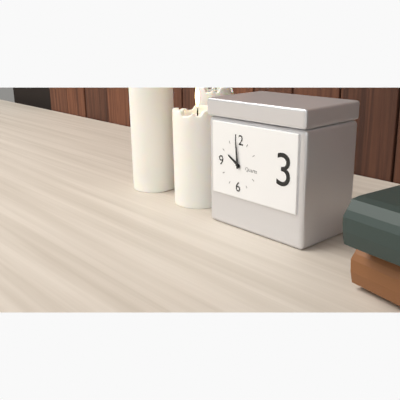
9:59
